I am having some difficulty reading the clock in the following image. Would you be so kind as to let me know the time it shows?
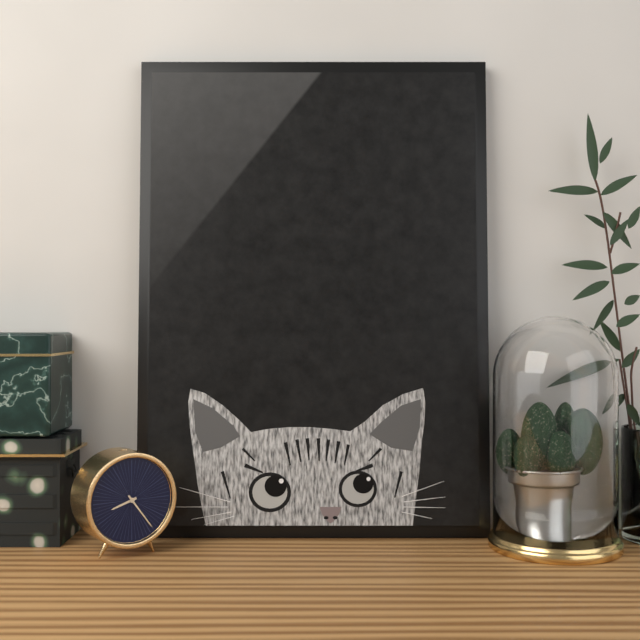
8:24
